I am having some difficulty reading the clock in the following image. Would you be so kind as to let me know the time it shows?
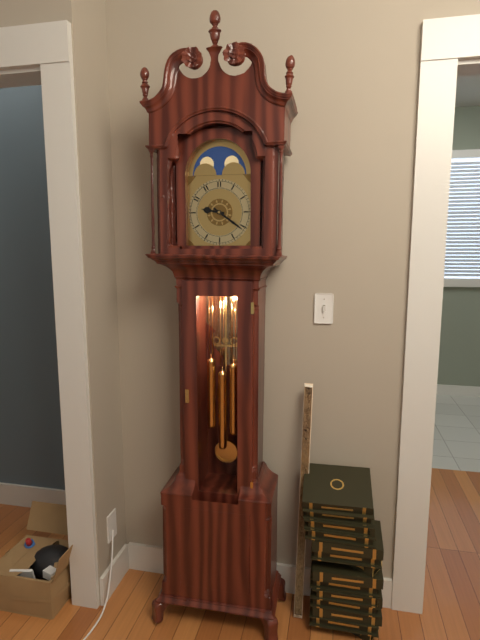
9:21
